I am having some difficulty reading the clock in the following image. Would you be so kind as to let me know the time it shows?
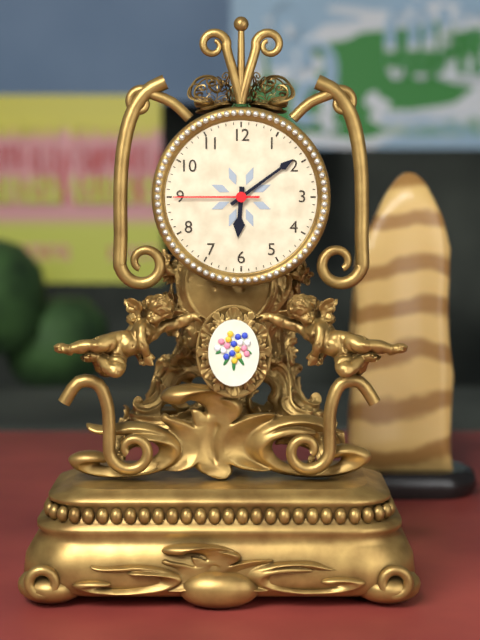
6:09:45
